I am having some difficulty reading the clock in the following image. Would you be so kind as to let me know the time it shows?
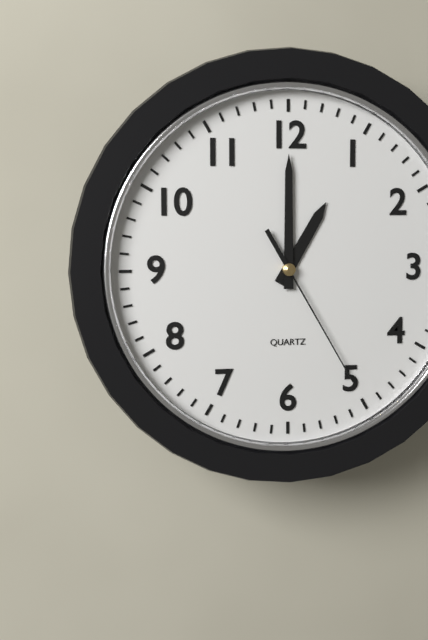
1:00:25
